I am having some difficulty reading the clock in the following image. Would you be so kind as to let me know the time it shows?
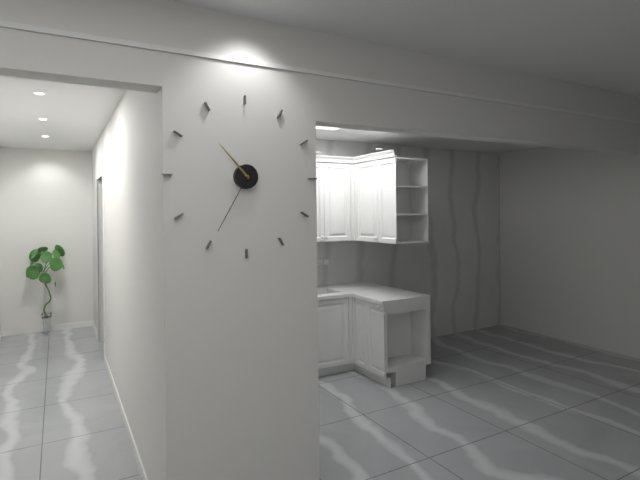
10:35
